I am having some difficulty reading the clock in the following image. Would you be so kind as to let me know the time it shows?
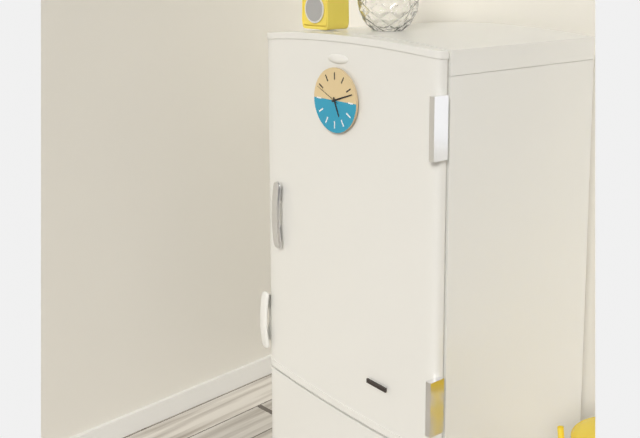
5:12
